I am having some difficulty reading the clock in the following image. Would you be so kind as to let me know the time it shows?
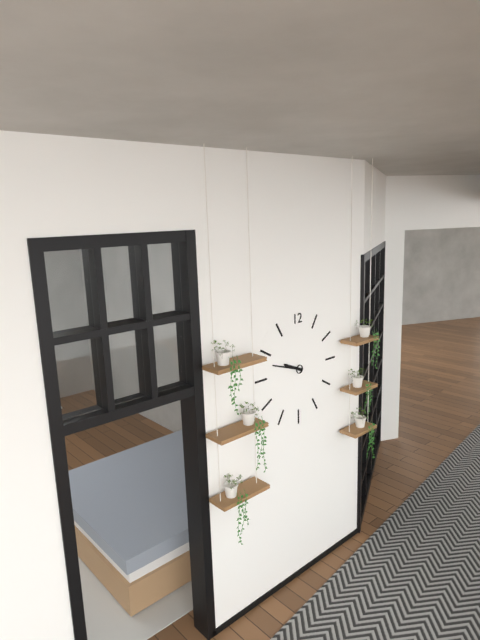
9:48
